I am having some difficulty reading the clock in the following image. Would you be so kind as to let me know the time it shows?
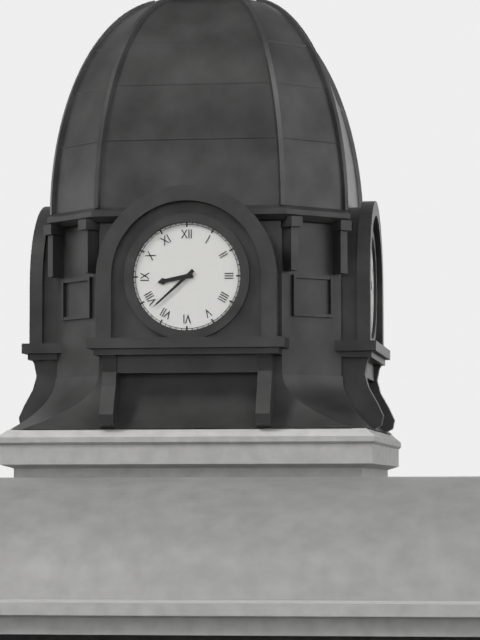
8:38
